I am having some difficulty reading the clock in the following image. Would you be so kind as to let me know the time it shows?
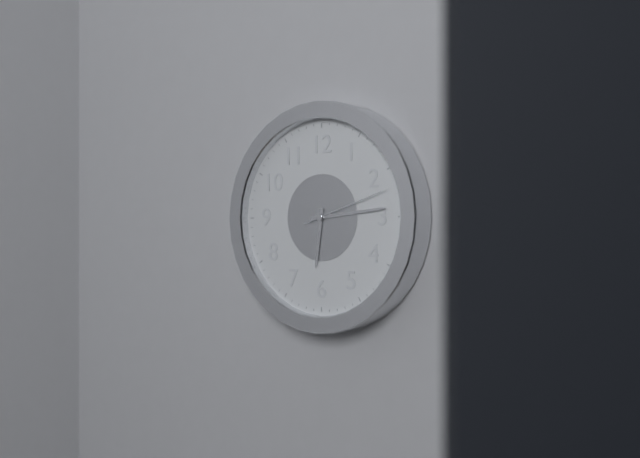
6:14:12
